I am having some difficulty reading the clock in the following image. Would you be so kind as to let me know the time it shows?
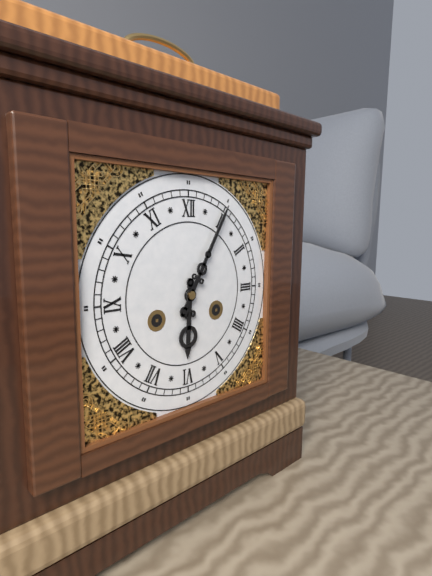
6:05
